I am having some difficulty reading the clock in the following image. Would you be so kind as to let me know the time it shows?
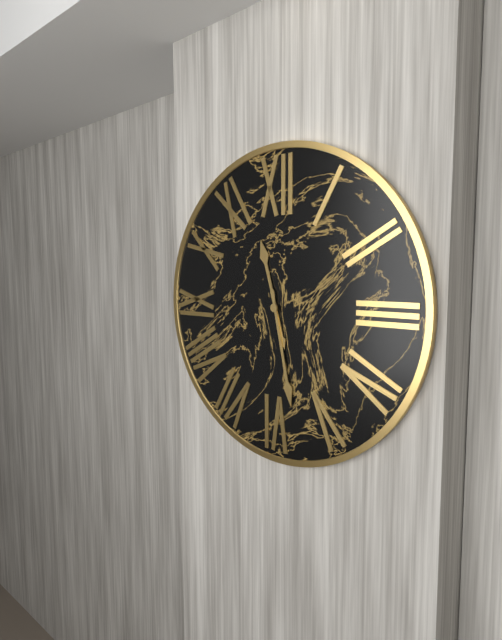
11:28
